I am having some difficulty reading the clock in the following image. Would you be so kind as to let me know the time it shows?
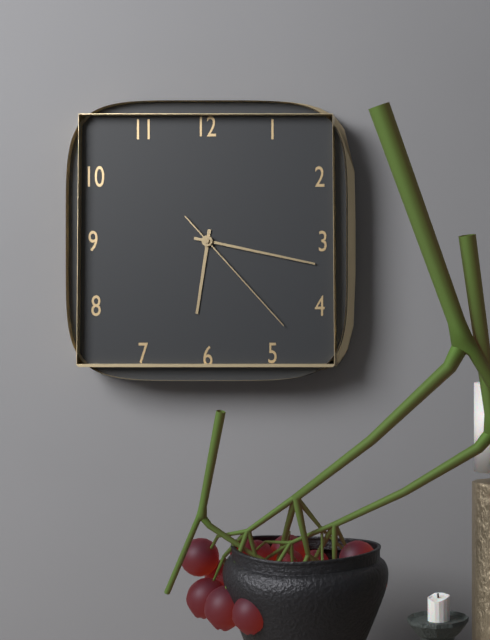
6:17:23
